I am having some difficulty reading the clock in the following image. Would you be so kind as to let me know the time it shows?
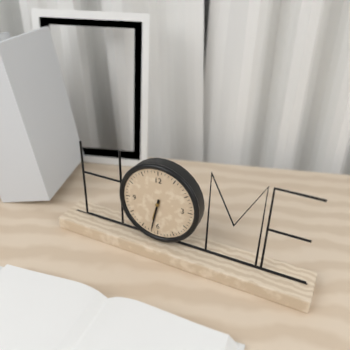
6:32
